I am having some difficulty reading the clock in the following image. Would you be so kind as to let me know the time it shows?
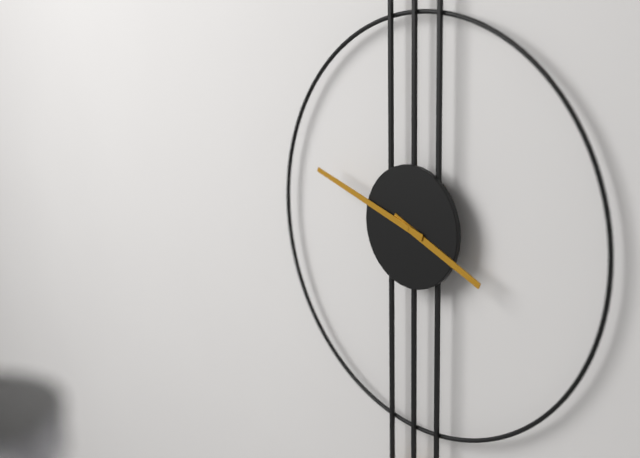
3:48
